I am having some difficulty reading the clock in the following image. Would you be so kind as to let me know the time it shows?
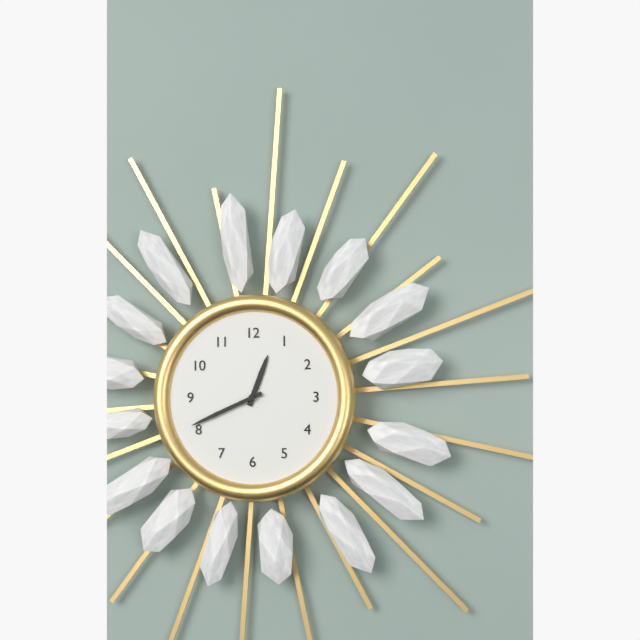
12:41
